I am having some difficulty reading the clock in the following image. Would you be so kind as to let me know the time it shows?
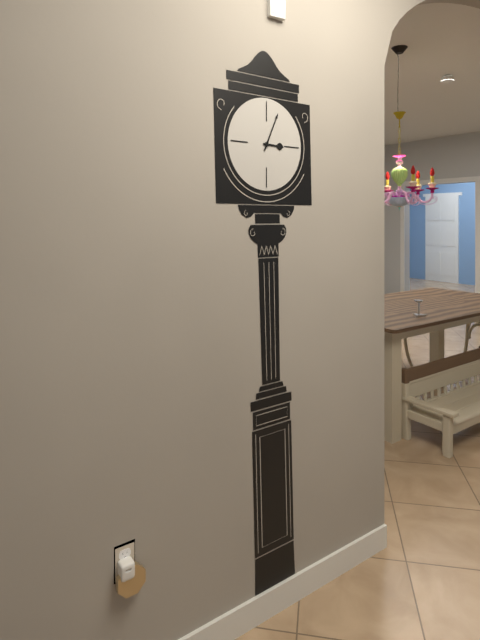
3:04
